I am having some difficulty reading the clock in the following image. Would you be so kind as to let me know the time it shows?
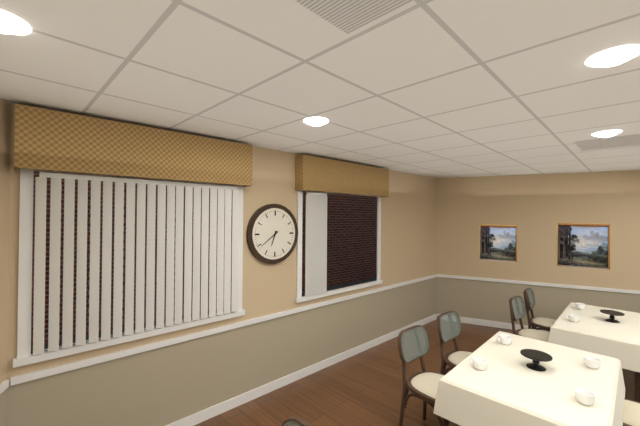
6:39
